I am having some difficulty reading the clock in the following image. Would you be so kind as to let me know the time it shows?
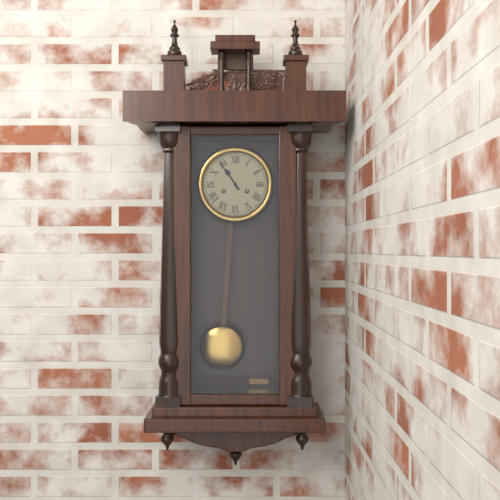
10:54
